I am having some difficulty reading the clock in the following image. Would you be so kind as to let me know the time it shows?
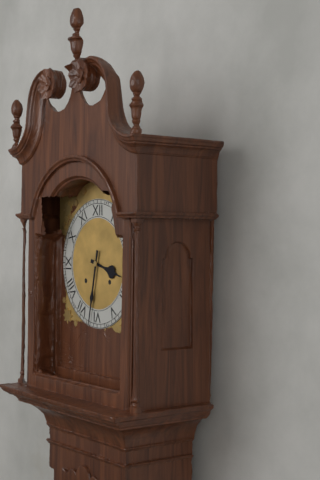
3:32
